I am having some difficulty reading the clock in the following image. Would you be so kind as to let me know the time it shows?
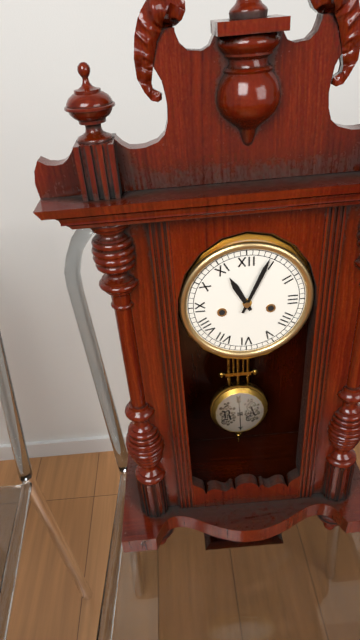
11:04
